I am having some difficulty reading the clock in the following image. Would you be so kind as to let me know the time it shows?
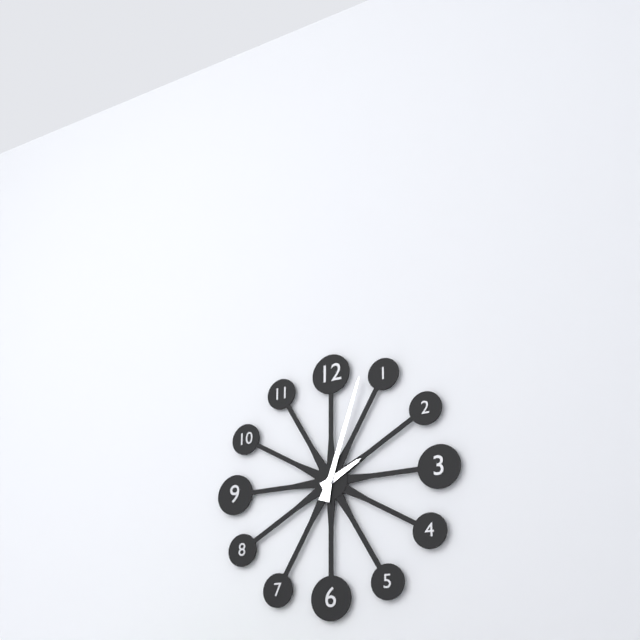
2:03
